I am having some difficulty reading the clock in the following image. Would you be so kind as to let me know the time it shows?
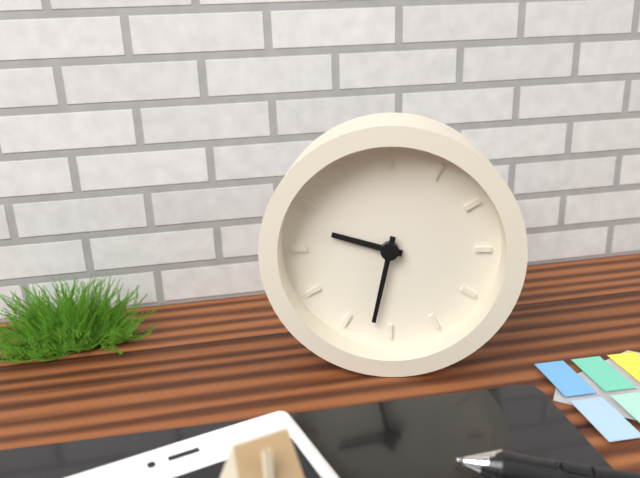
9:32
